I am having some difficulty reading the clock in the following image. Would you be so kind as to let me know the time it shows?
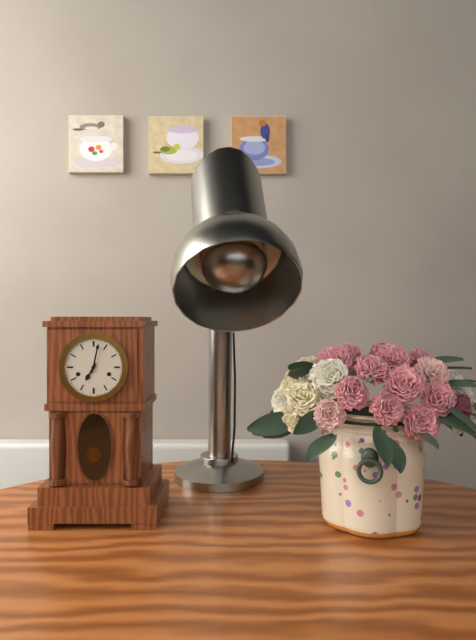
7:02
